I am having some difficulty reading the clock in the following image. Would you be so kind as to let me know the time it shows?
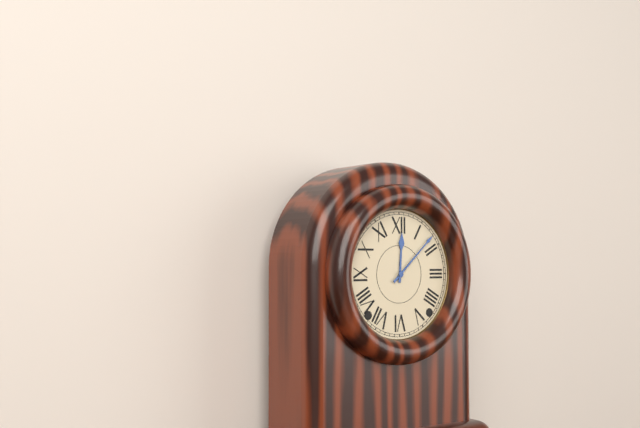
12:08
